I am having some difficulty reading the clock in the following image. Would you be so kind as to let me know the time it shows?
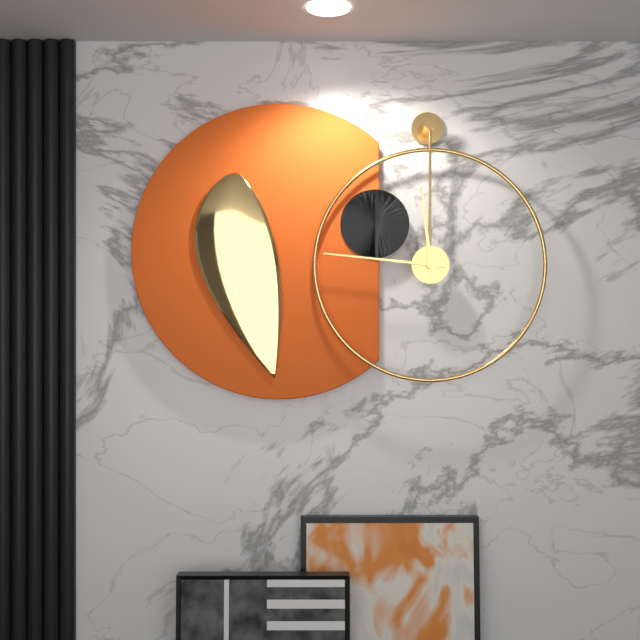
11:46
